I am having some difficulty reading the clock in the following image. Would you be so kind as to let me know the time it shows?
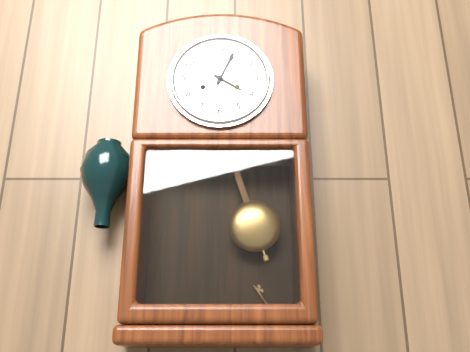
4:04
